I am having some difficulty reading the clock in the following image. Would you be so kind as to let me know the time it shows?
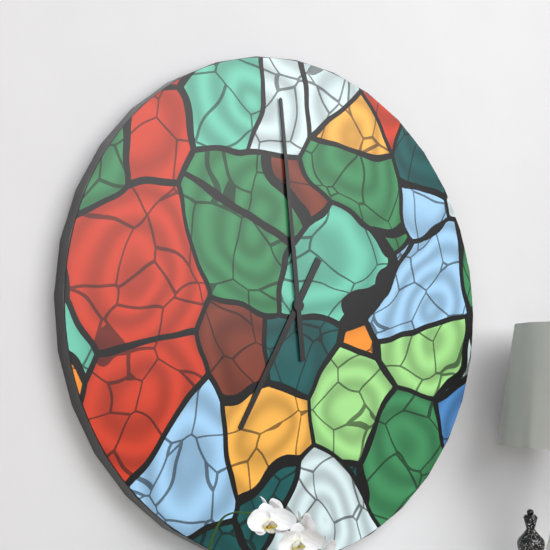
6:59
